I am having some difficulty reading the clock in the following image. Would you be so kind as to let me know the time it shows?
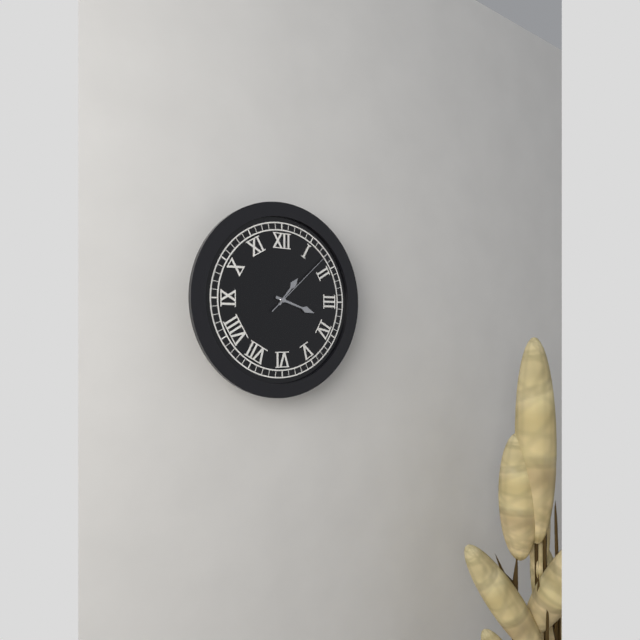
1:18:08
